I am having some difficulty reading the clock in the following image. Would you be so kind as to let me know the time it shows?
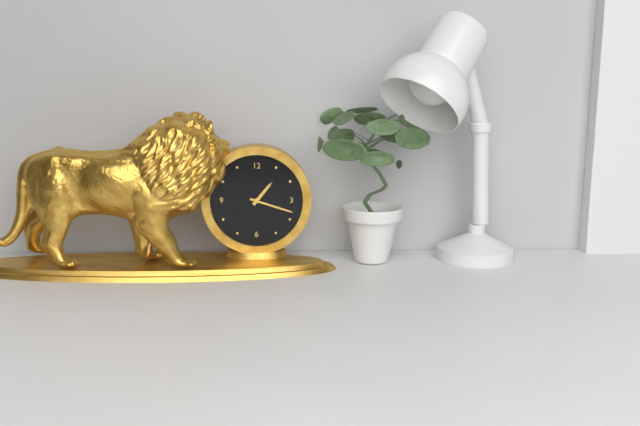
1:18
